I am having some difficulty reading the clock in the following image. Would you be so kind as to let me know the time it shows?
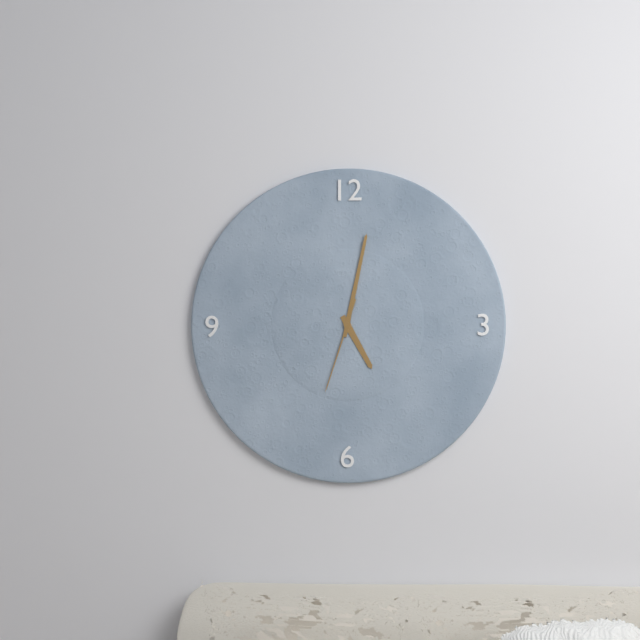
5:02:33
